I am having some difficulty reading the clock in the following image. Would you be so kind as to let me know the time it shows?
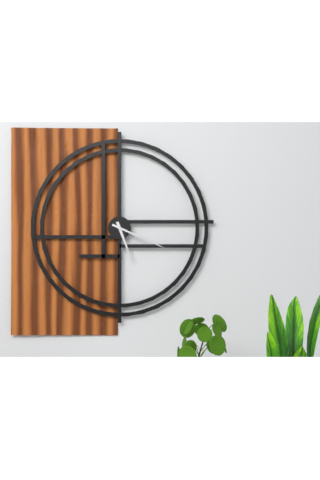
5:19
